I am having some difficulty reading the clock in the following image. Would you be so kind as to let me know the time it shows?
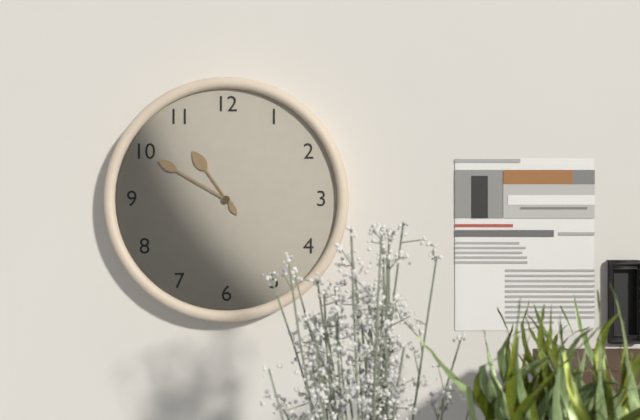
10:50
